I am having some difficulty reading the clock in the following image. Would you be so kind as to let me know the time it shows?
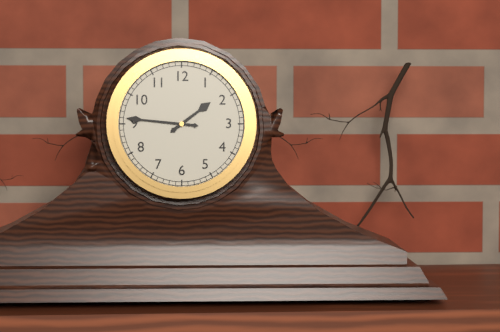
1:46
